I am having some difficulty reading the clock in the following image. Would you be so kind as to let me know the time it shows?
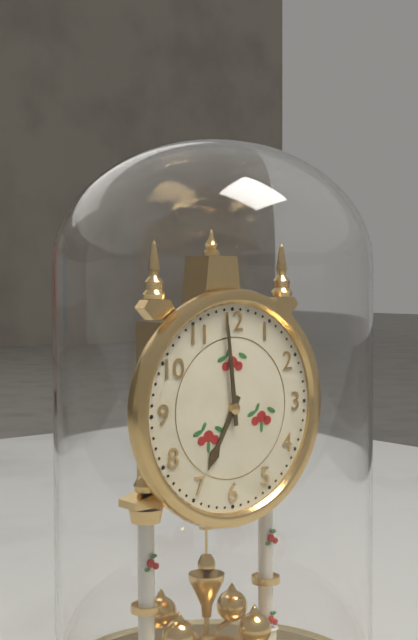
6:59
